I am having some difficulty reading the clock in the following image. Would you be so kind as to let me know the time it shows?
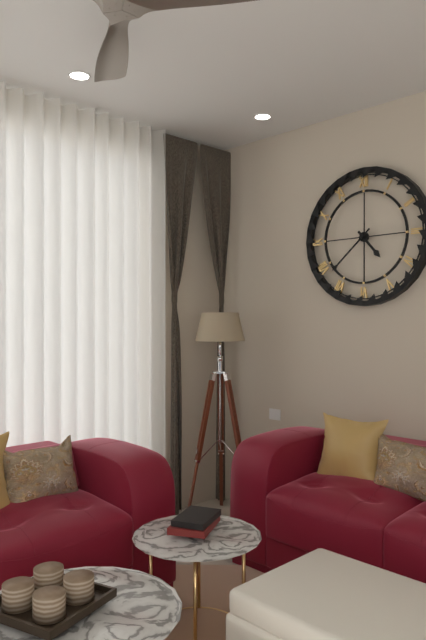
4:38
